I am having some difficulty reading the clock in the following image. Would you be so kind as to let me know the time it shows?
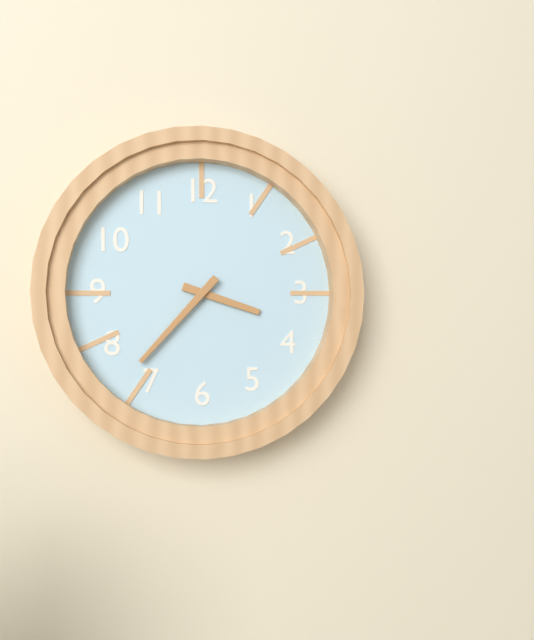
3:37
